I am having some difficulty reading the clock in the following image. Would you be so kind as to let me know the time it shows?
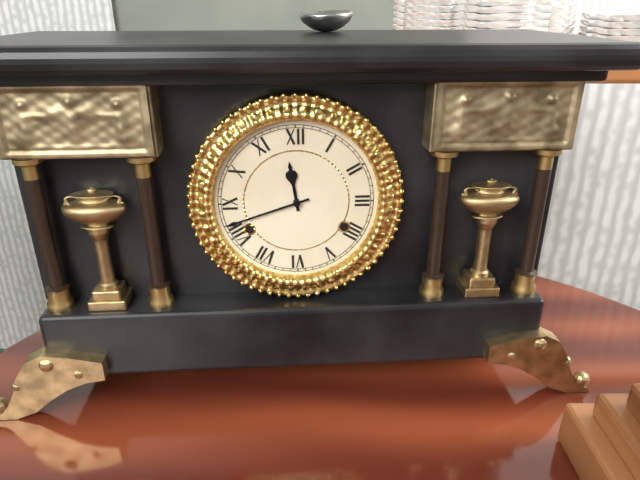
11:42
